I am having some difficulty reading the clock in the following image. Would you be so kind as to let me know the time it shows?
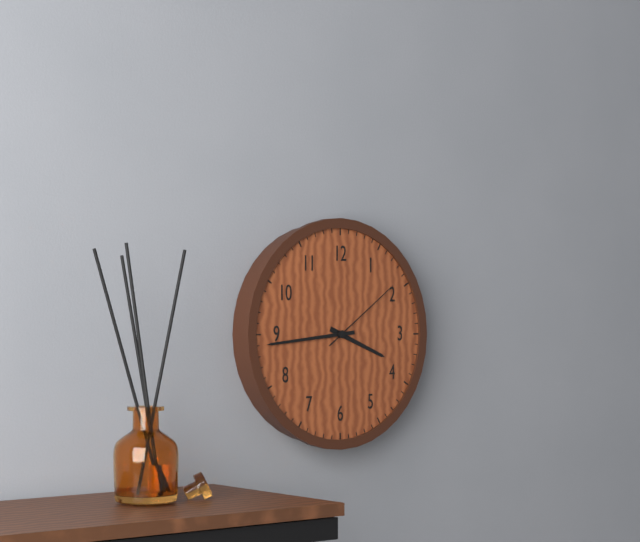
3:44:09
